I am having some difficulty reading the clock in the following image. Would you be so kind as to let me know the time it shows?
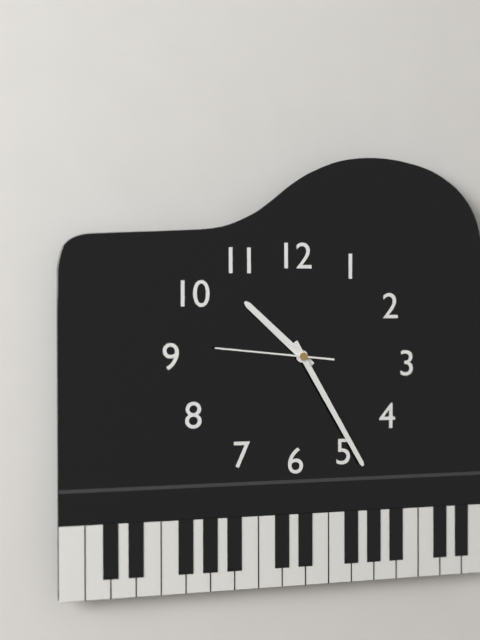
10:25:46
